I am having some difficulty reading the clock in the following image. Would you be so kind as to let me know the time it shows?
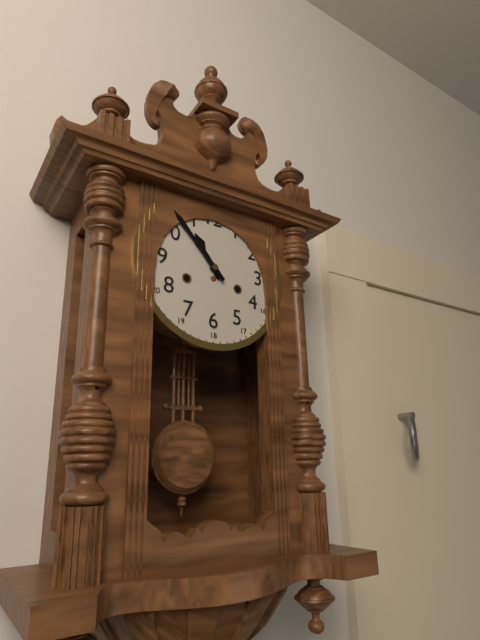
10:53
